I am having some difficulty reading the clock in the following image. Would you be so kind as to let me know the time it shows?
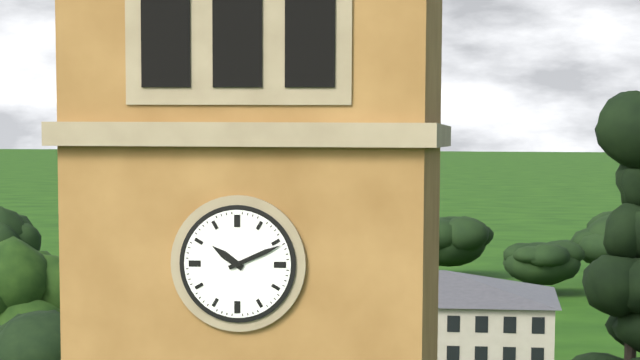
10:11
